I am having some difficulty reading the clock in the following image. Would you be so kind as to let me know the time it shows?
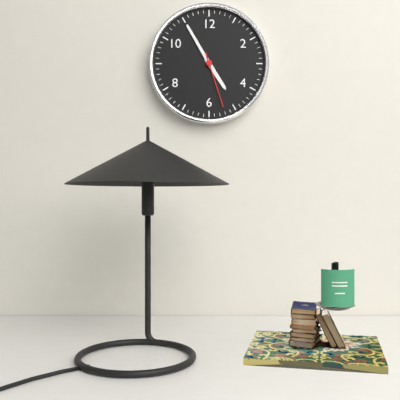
4:55:27
